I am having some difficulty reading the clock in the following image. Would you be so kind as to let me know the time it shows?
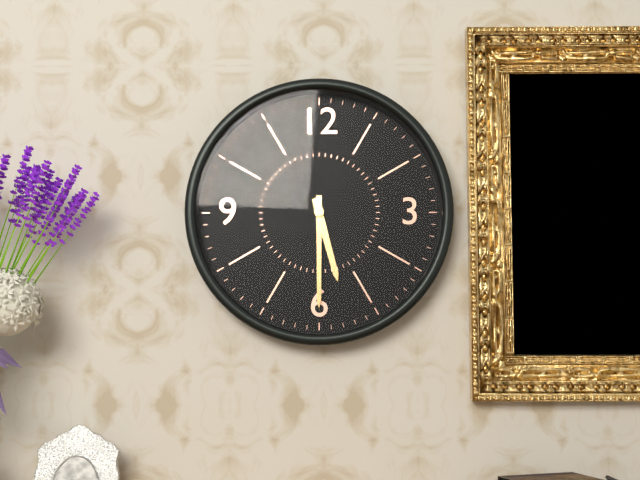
5:30
